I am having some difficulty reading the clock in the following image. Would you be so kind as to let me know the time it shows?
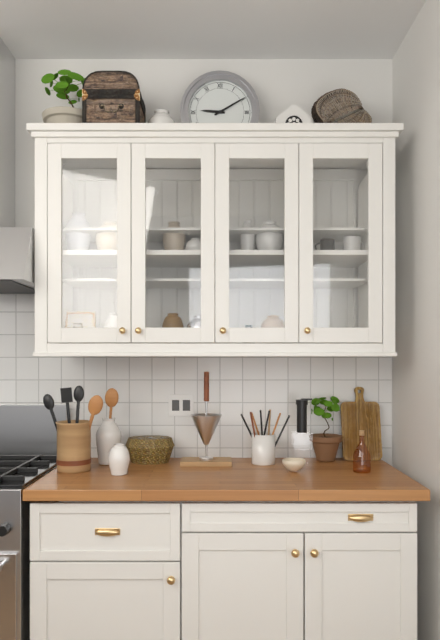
9:10
